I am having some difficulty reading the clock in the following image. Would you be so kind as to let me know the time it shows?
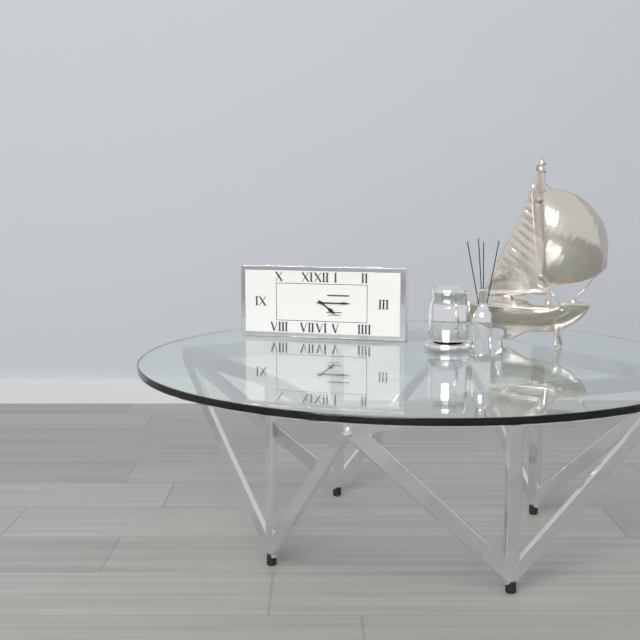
4:15
